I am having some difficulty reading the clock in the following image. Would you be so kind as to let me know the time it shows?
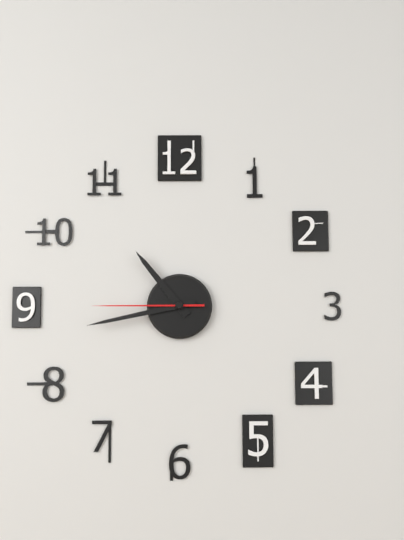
10:43:45
